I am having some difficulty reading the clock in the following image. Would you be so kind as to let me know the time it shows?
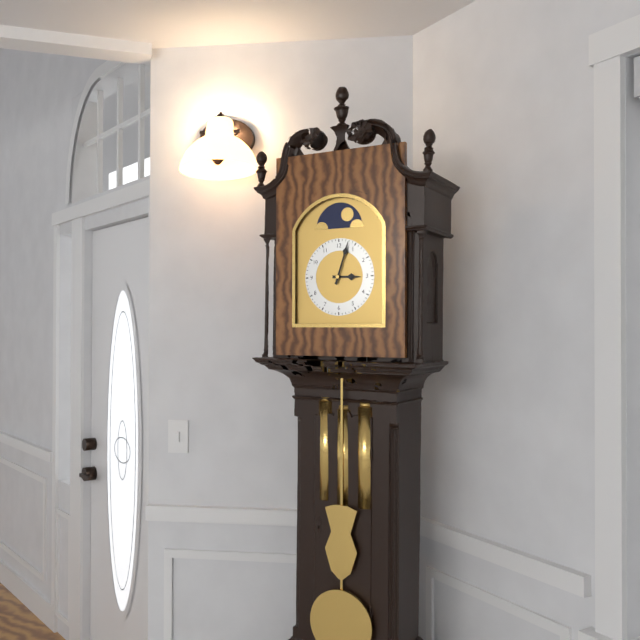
3:03
